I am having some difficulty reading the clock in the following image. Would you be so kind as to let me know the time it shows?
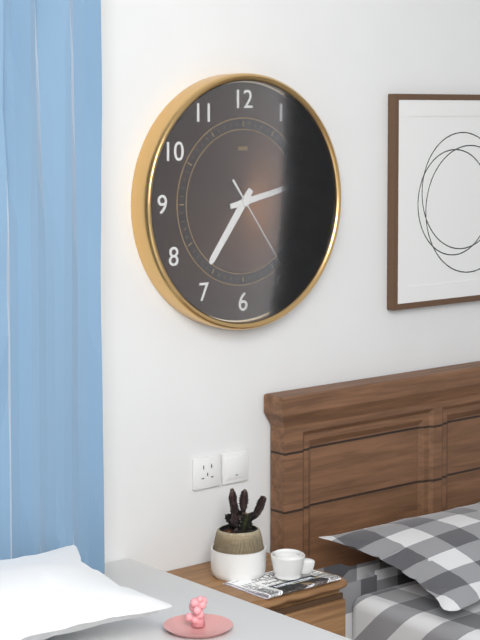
7:13:24
